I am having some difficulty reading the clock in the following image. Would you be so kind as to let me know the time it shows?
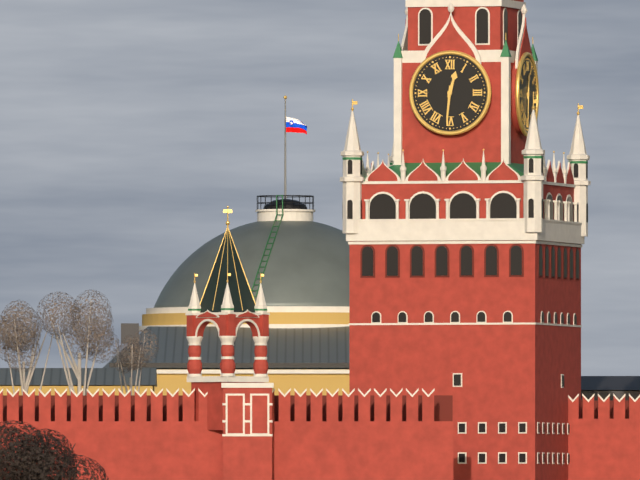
12:31
